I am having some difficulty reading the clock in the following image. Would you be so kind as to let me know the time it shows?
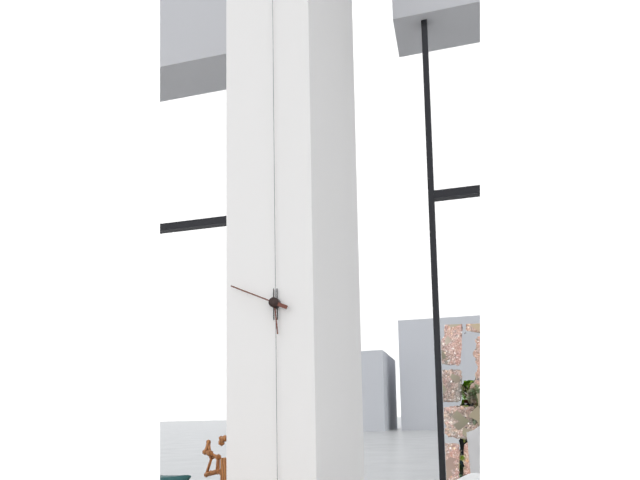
5:49
